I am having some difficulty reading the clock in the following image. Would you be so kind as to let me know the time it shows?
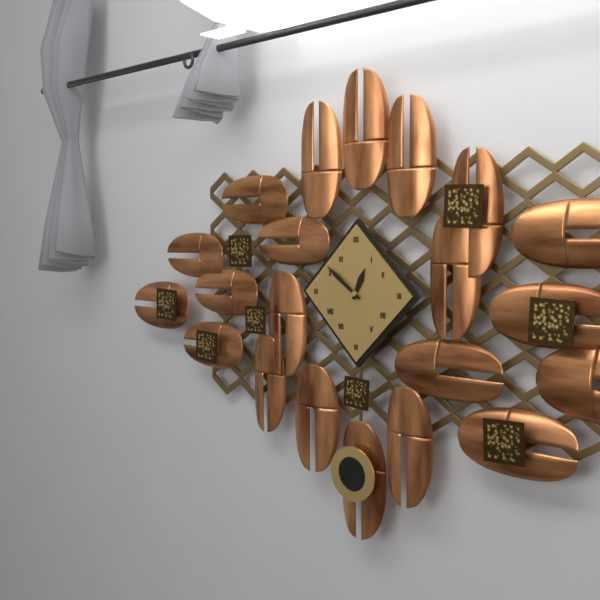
12:51
